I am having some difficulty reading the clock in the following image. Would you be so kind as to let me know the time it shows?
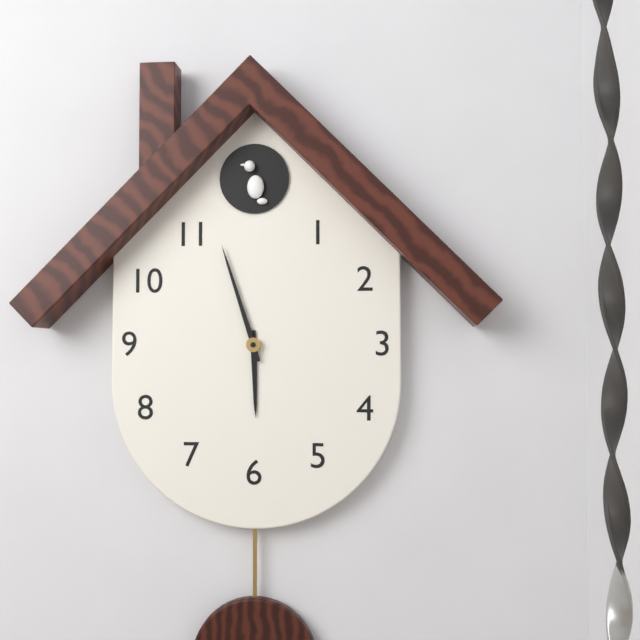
5:57
